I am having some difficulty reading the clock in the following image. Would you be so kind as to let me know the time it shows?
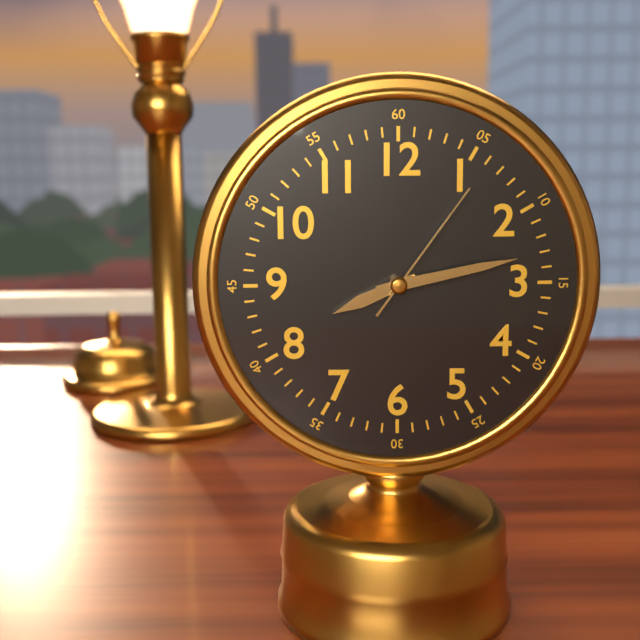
8:13:06
